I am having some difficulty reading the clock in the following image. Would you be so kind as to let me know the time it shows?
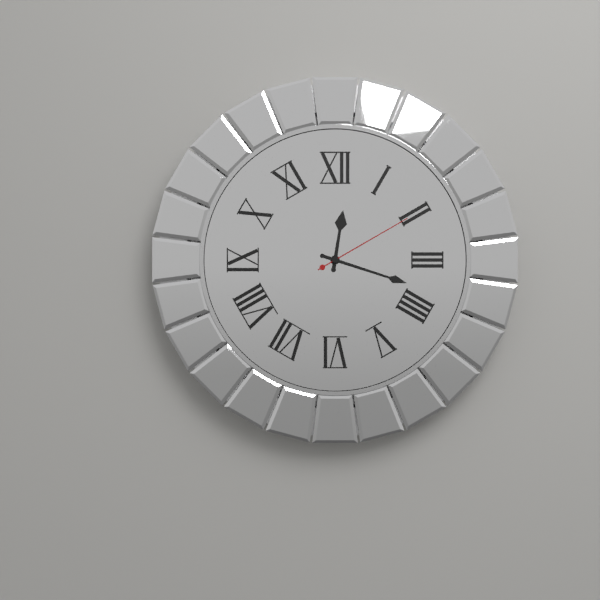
12:18:10
